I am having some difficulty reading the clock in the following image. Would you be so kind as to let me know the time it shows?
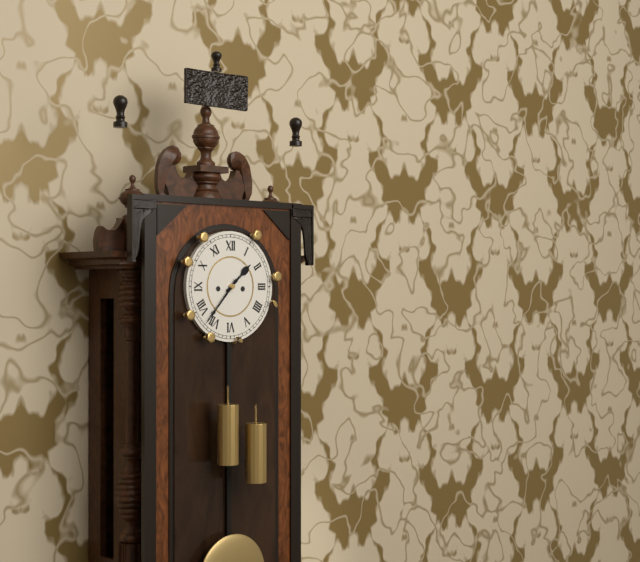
1:37
